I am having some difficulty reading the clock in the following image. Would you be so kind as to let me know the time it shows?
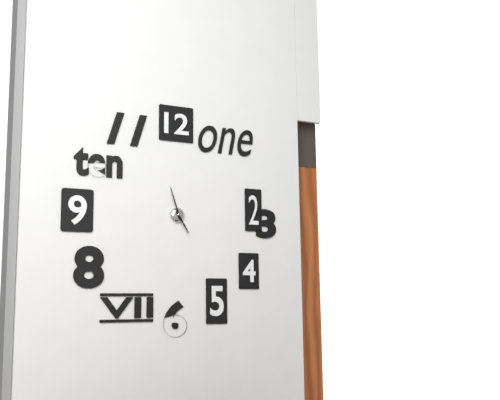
4:57
